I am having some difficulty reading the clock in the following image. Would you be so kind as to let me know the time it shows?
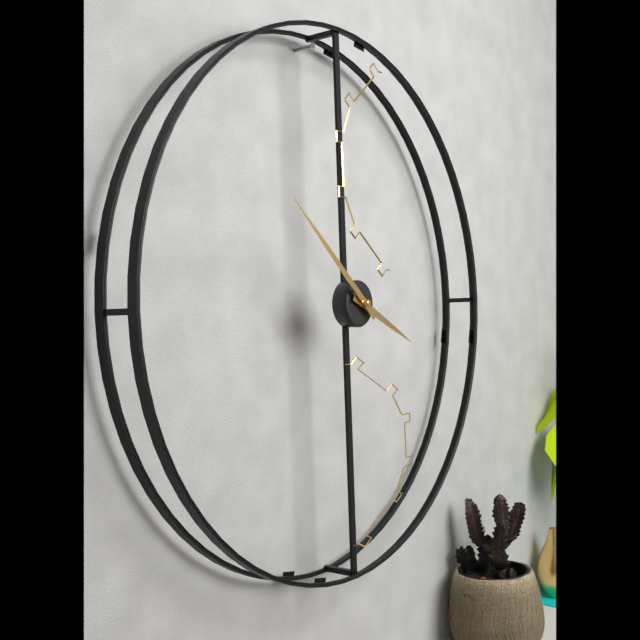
3:52
